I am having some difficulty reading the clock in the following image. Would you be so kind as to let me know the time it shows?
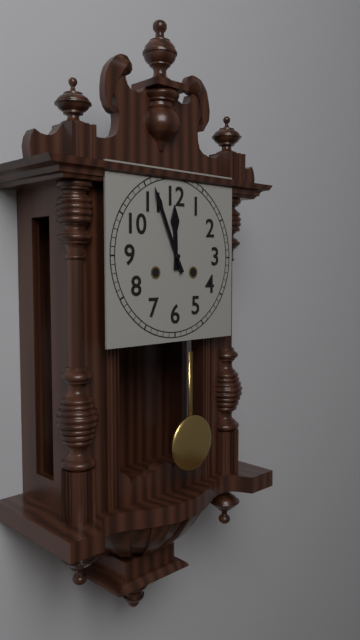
11:56
